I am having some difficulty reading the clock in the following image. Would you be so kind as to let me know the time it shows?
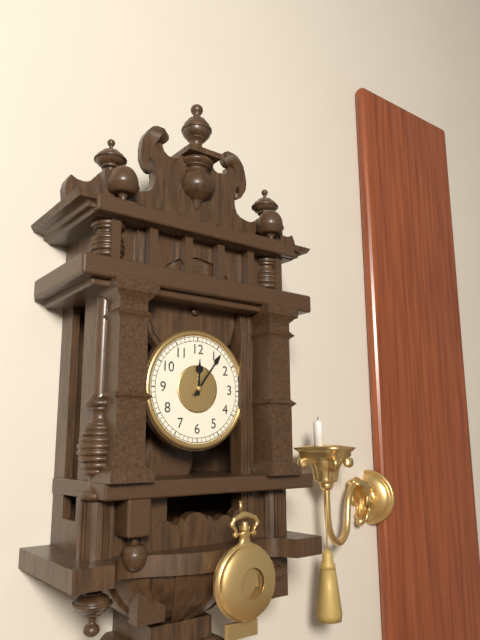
12:06
